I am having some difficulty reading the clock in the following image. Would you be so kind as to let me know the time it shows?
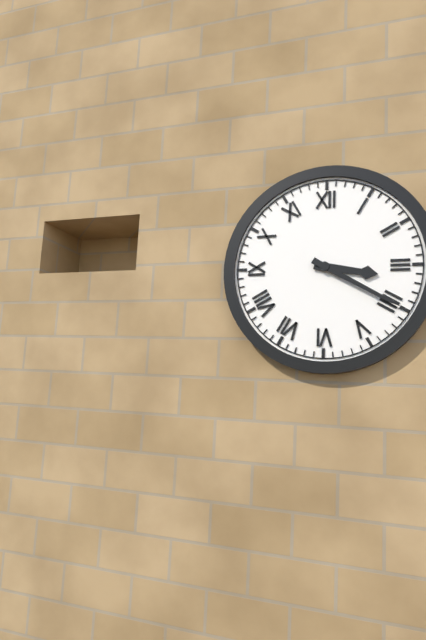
3:20
